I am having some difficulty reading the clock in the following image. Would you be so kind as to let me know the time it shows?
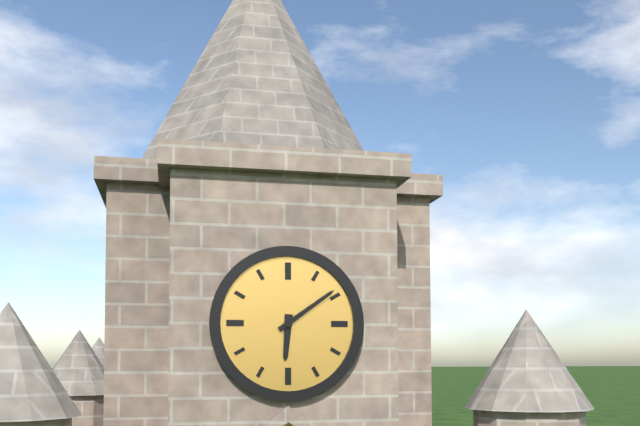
6:09
